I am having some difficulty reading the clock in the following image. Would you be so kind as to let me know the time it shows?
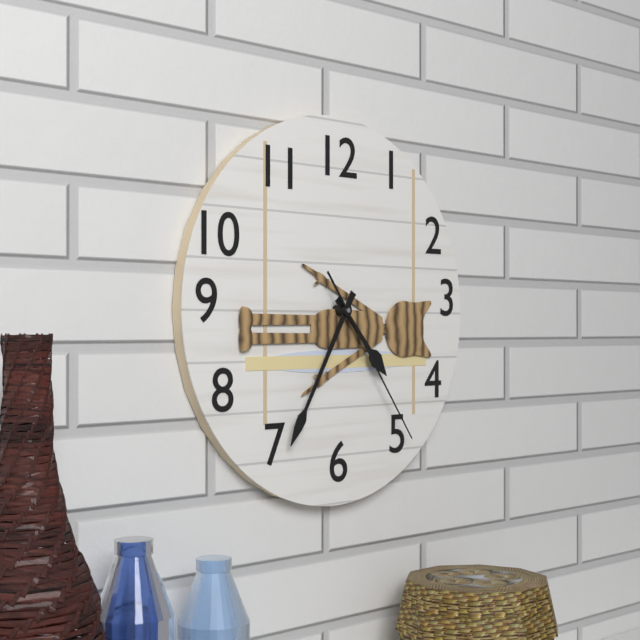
4:35:24
